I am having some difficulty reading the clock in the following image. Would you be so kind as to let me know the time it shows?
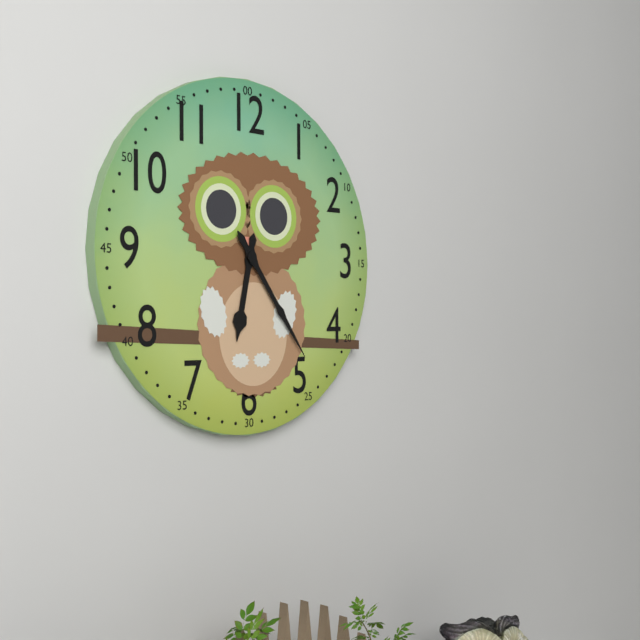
6:24
